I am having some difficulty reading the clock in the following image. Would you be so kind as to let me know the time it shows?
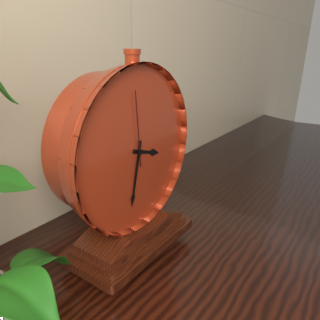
3:32:59
